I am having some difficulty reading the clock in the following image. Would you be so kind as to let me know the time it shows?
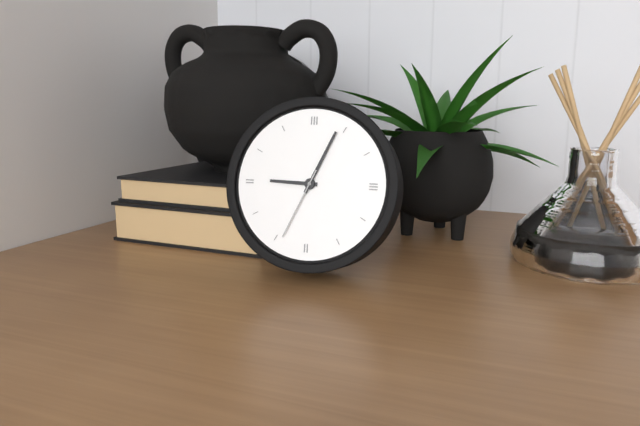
9:04:34
